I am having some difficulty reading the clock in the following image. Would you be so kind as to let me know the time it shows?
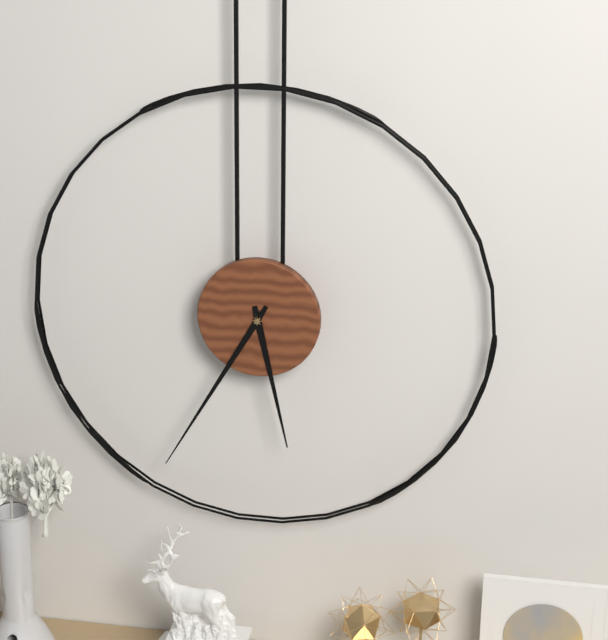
5:35
